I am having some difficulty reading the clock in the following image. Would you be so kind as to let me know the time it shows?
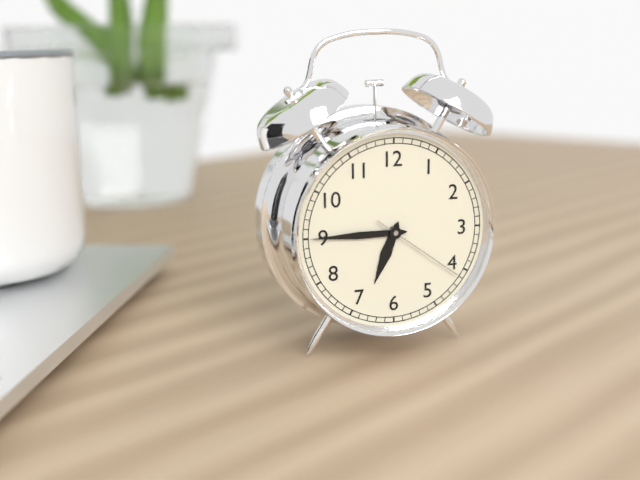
6:45:21
